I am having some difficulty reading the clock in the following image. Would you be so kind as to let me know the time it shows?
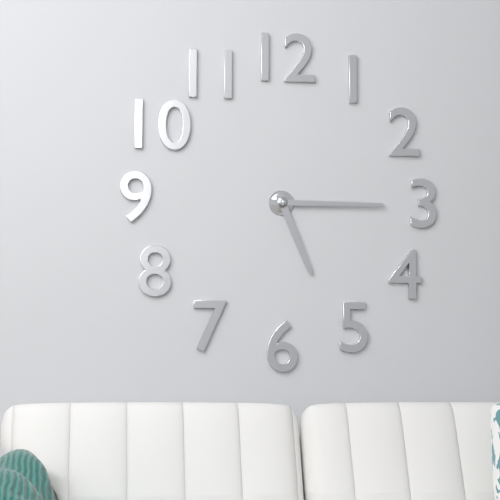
5:15
